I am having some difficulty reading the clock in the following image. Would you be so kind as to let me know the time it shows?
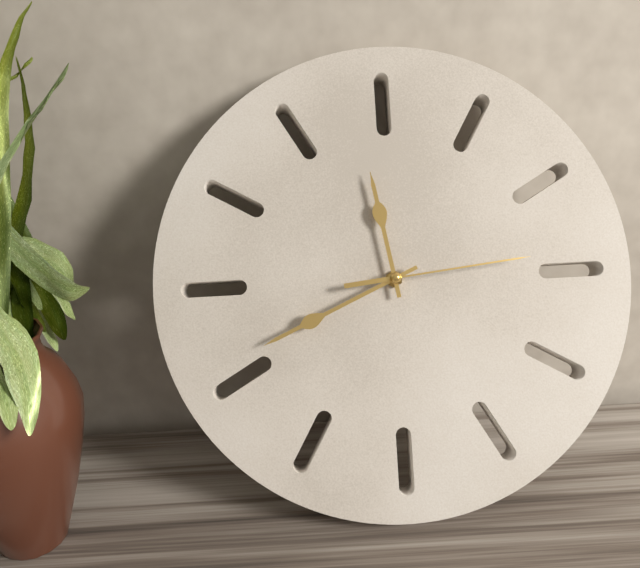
11:41:14
